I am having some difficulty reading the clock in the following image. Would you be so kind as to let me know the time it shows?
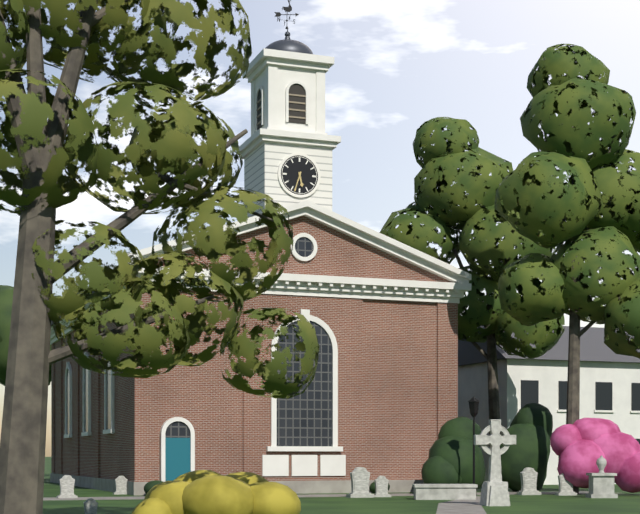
5:33
